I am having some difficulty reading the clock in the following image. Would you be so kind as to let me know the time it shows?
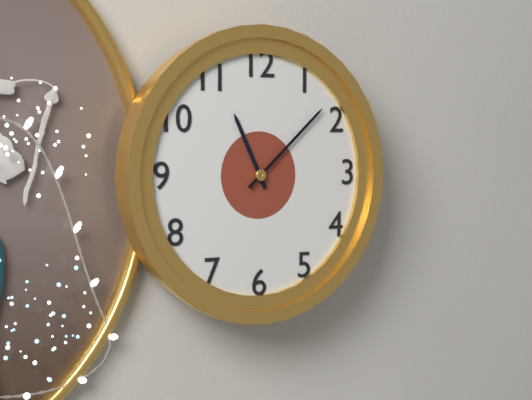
11:08
